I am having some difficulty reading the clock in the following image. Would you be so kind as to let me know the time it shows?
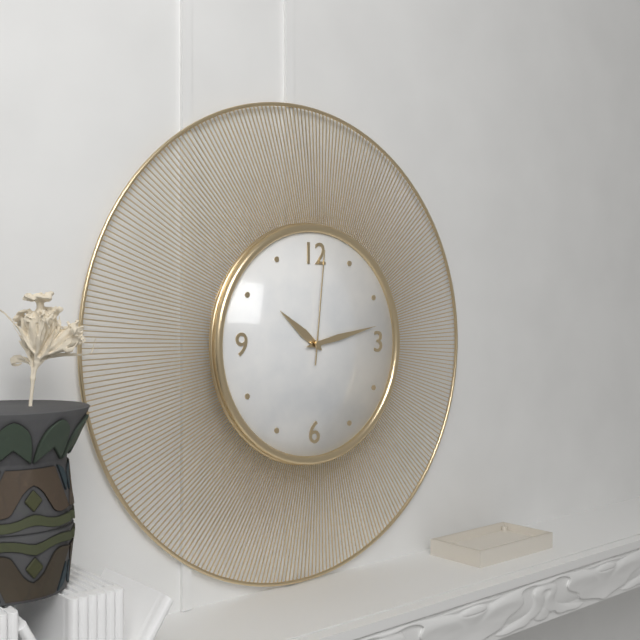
10:13:01
